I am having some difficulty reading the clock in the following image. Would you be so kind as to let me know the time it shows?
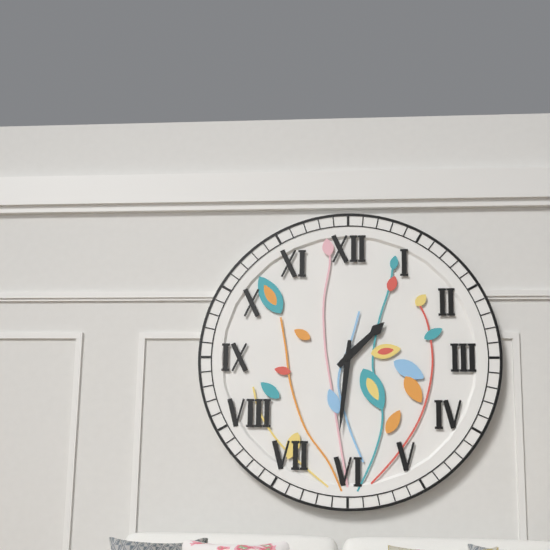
1:31
